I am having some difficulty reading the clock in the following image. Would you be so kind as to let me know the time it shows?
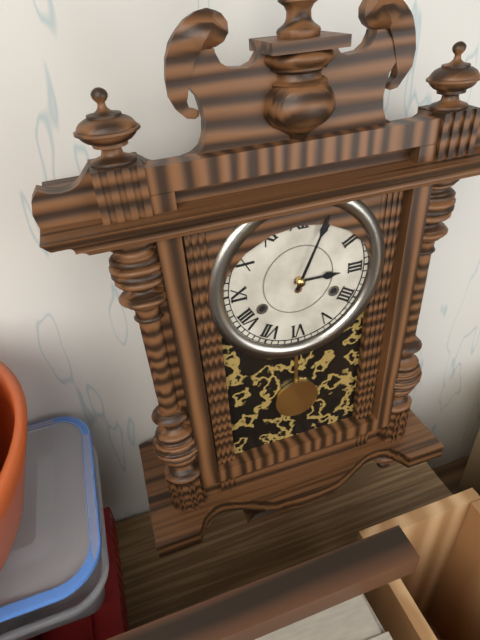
3:04
